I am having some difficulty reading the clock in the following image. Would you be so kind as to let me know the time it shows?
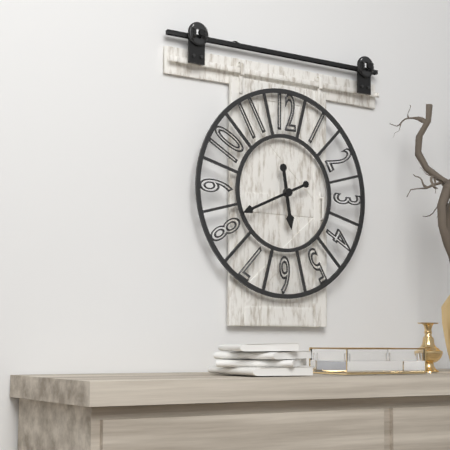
5:41
